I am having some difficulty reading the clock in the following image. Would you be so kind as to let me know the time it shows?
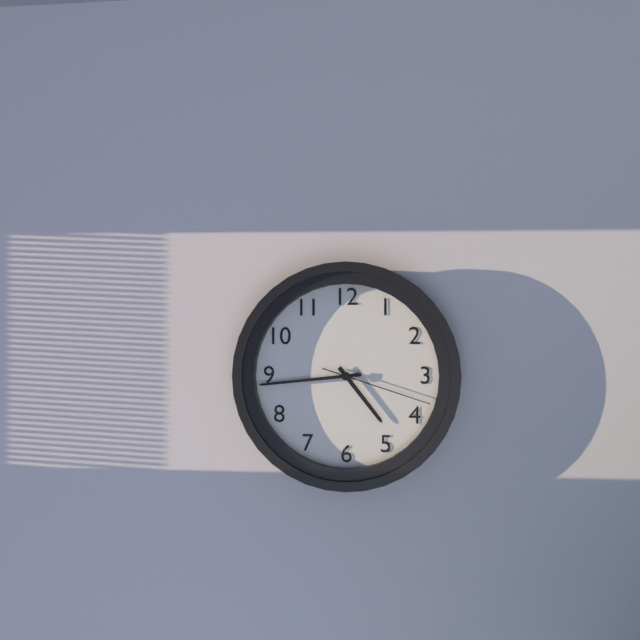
4:44:18
